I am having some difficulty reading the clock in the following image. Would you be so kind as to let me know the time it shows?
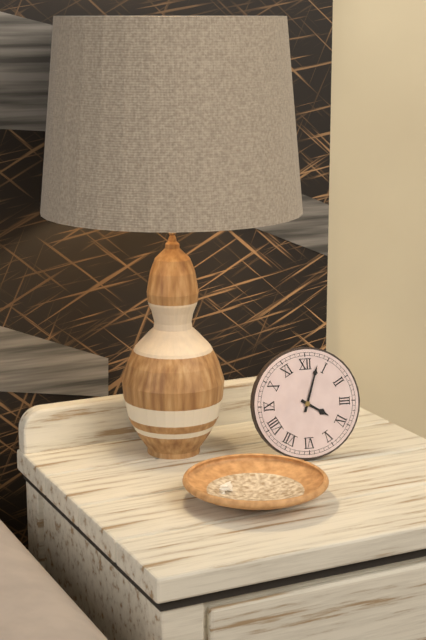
4:03
